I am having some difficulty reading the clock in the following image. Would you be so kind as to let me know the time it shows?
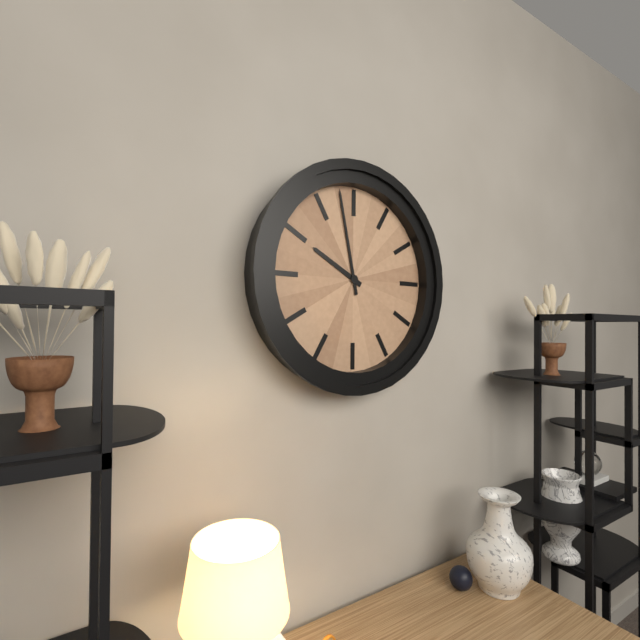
9:58
